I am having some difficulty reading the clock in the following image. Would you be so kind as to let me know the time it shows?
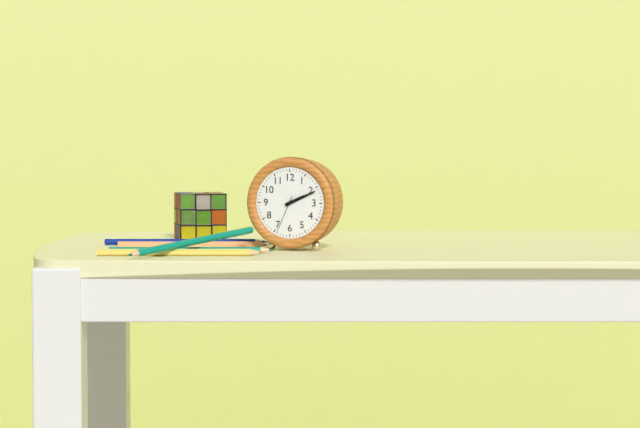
2:11
